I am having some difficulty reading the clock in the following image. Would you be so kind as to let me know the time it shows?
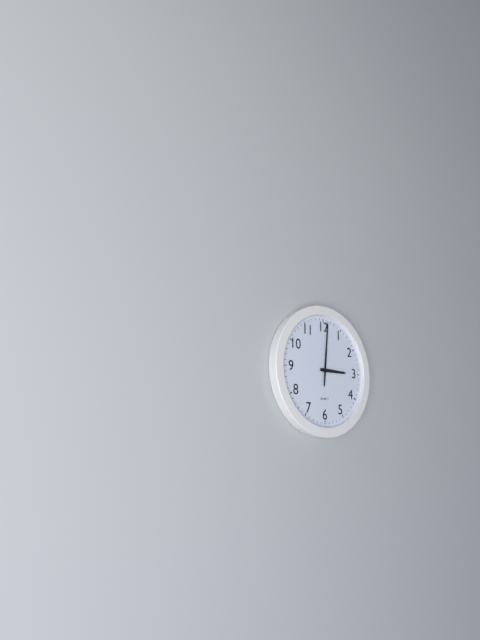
3:01
